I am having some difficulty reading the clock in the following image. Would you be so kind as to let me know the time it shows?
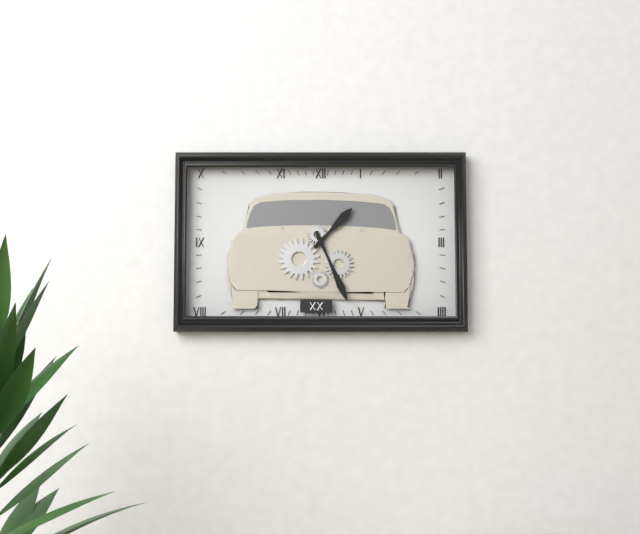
1:26
